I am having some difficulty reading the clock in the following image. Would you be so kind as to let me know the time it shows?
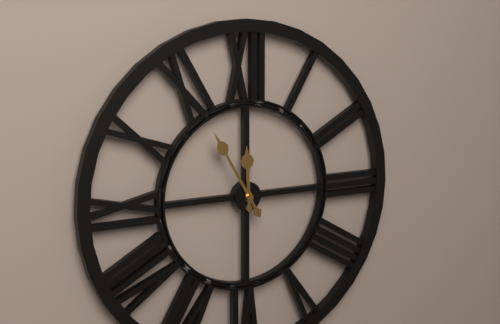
11:55
